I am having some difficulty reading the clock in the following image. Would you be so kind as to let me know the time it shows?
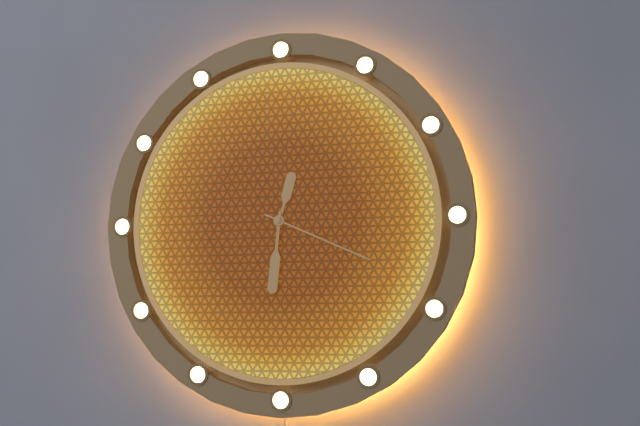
12:31:19
